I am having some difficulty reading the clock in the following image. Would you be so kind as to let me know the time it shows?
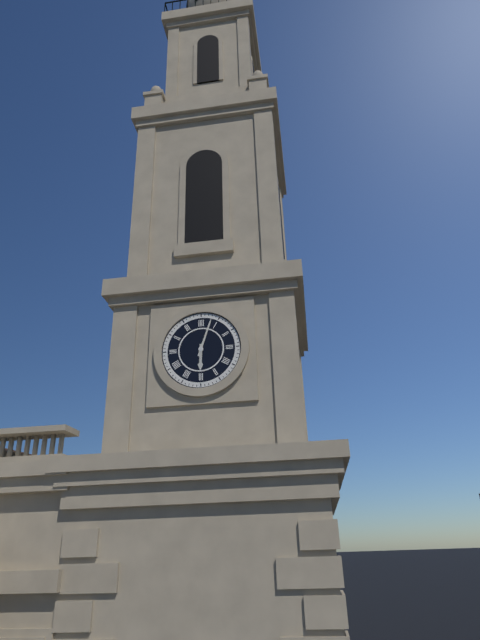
6:03
